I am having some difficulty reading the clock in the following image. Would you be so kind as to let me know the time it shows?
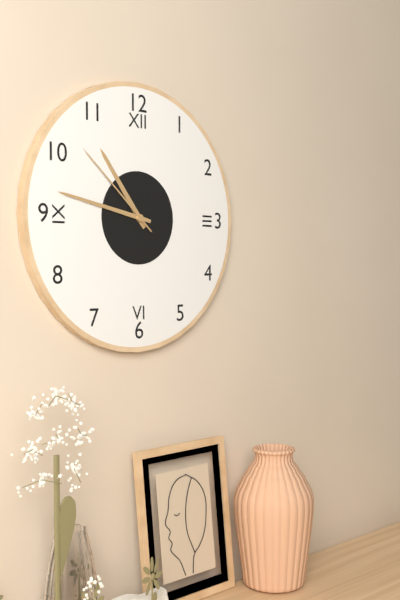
10:47:52
